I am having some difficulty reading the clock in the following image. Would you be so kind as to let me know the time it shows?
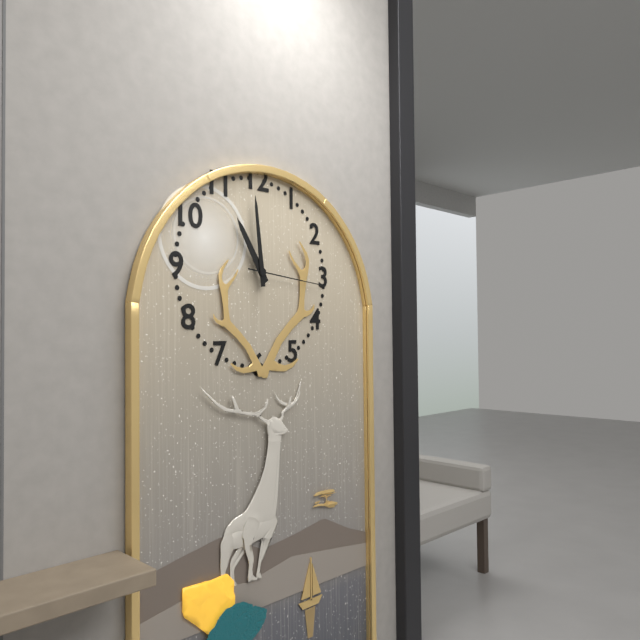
10:59:16
